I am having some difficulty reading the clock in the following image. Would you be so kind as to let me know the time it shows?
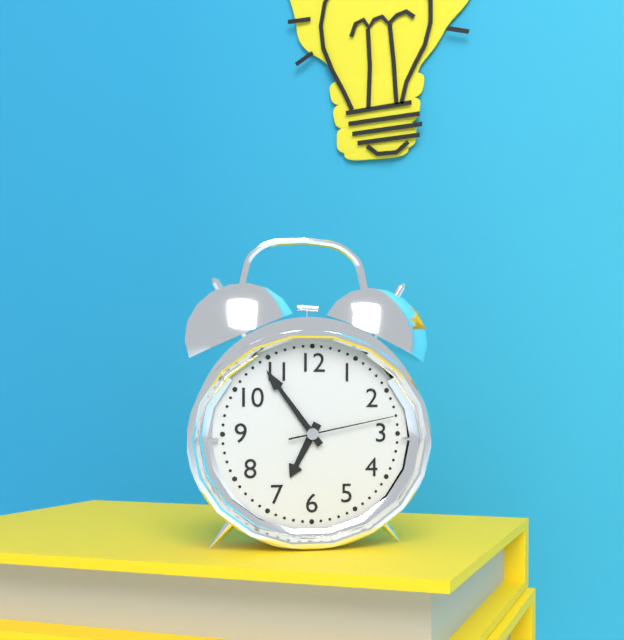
6:54:13
